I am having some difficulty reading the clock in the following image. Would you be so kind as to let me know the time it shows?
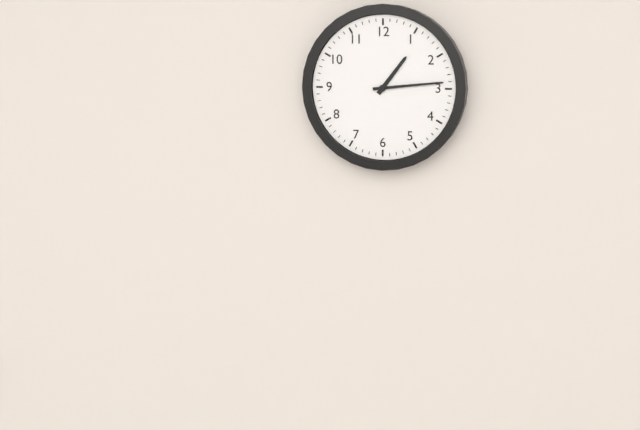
1:14
